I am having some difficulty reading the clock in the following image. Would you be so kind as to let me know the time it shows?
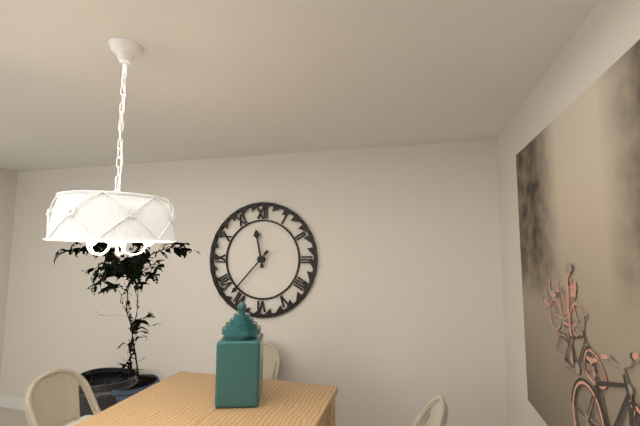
11:37
